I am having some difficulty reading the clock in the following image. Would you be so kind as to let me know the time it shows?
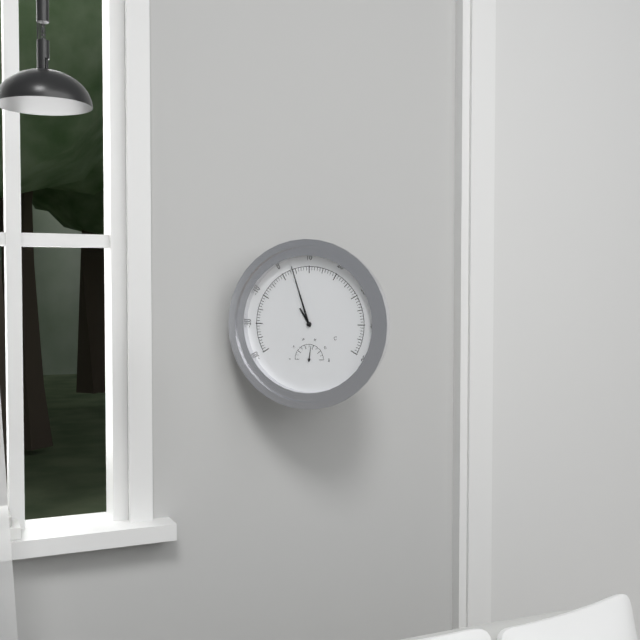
10:57
